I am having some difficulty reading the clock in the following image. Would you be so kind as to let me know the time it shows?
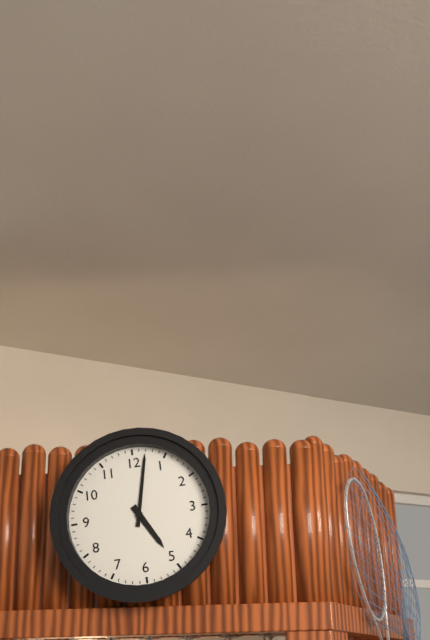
5:02
